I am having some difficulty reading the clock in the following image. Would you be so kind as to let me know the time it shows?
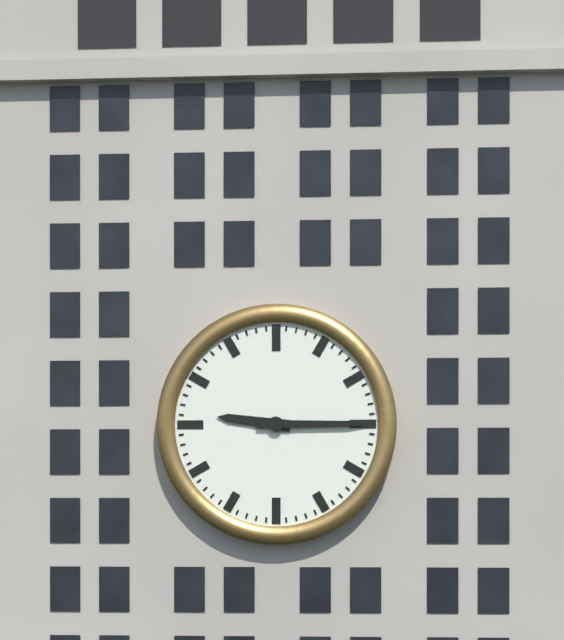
9:15
